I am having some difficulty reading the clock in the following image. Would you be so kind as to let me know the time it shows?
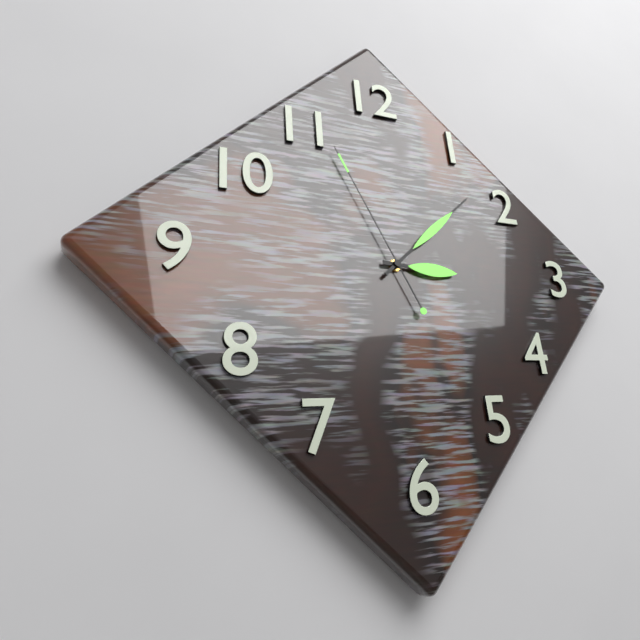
3:08:56
